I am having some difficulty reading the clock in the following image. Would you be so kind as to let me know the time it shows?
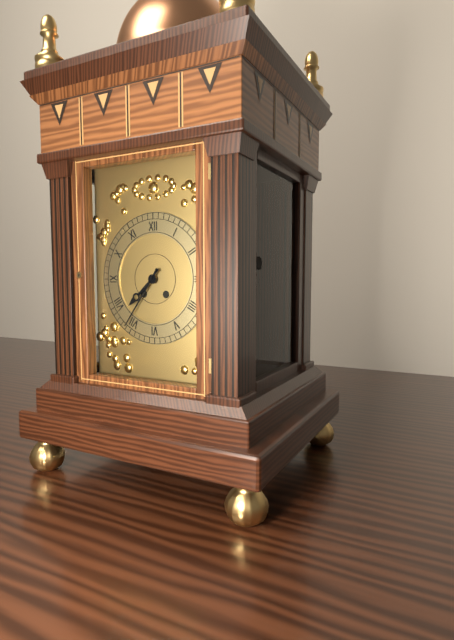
7:36
